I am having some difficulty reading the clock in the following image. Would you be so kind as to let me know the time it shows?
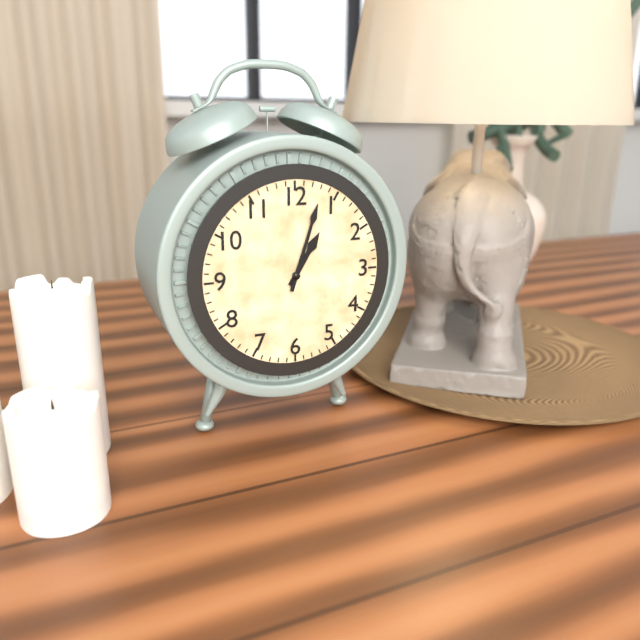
1:03
